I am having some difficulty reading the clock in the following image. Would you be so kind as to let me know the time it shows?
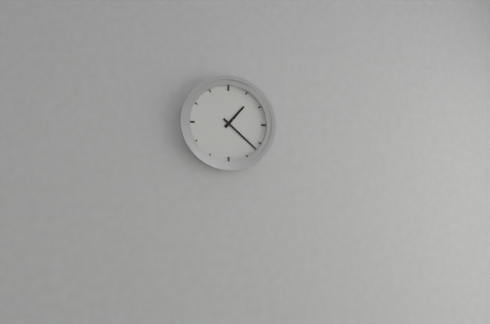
1:22
